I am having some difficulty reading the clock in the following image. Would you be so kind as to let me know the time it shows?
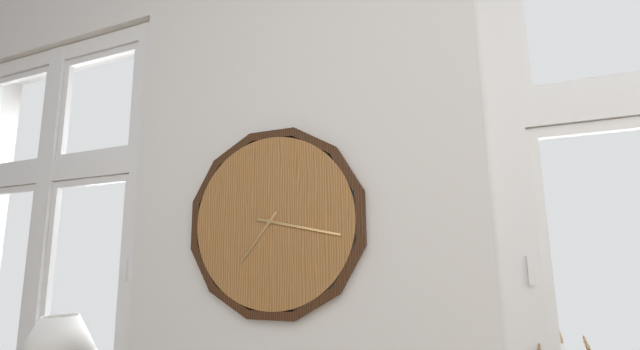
7:17
